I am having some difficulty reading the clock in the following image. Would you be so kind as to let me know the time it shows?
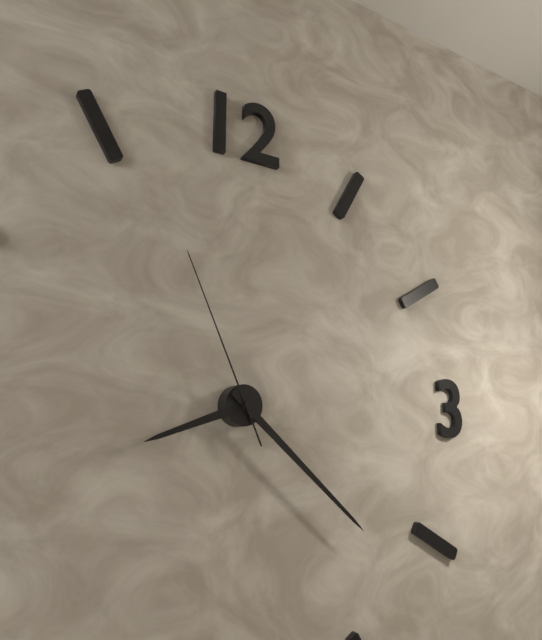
8:22:56
